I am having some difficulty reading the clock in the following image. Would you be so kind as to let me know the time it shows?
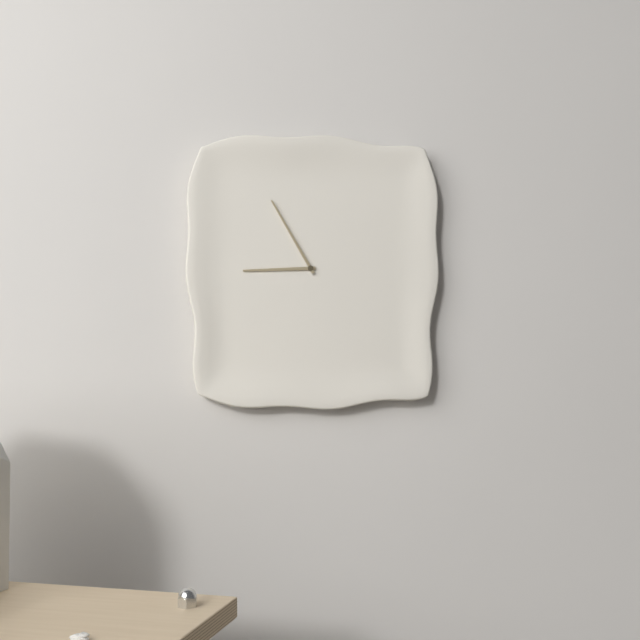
8:55
